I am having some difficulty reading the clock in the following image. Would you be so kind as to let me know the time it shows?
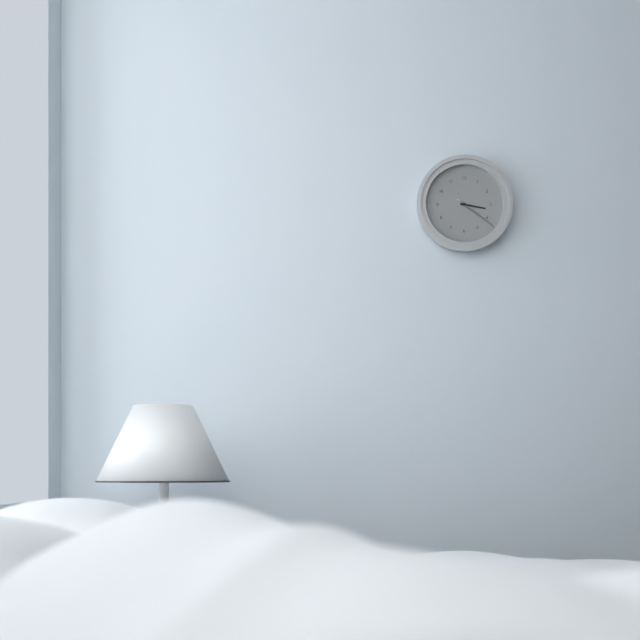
3:21
